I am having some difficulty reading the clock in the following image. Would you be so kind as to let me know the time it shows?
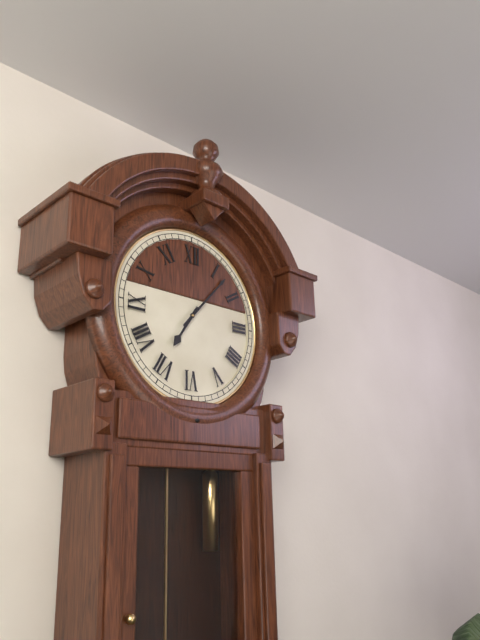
7:07
